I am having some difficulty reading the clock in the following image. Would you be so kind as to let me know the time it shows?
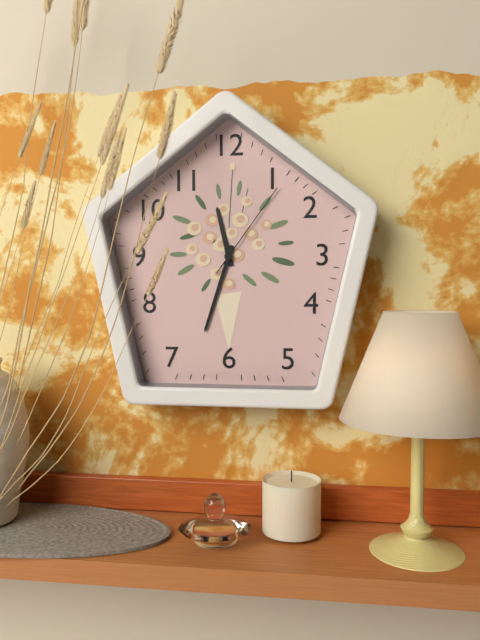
11:33:06
